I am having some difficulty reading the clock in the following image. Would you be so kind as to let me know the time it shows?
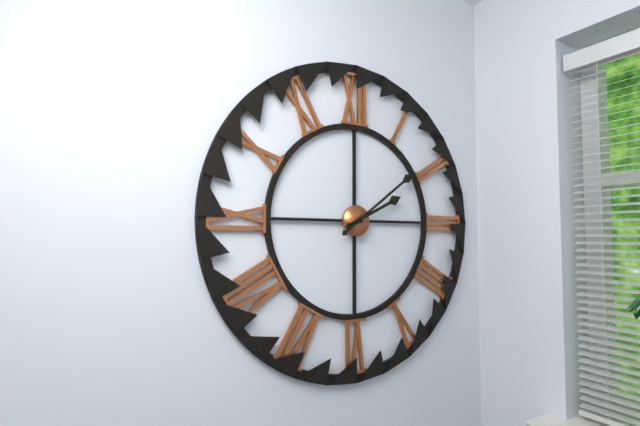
2:09
